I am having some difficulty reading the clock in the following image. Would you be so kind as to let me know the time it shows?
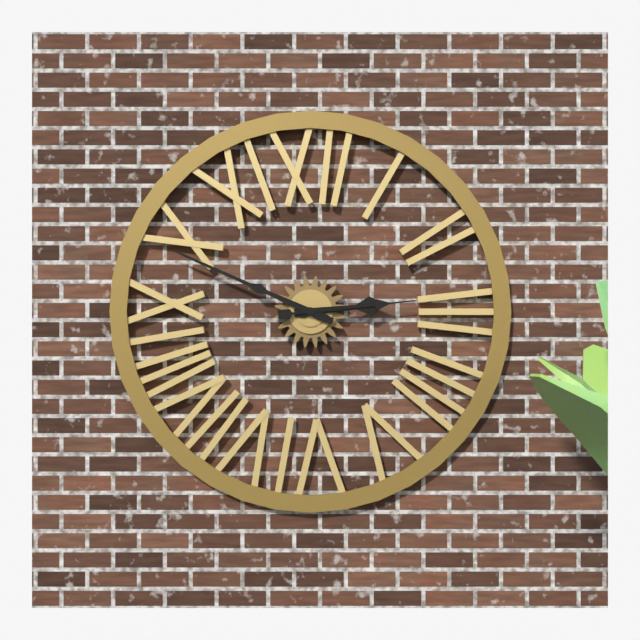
2:49:14
